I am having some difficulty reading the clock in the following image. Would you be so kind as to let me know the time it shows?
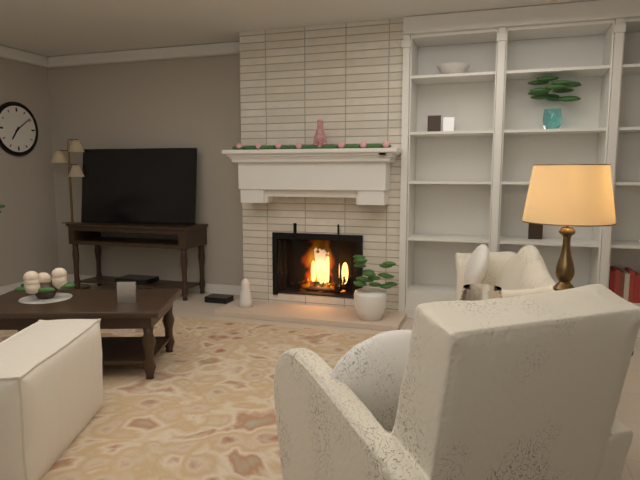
7:09
